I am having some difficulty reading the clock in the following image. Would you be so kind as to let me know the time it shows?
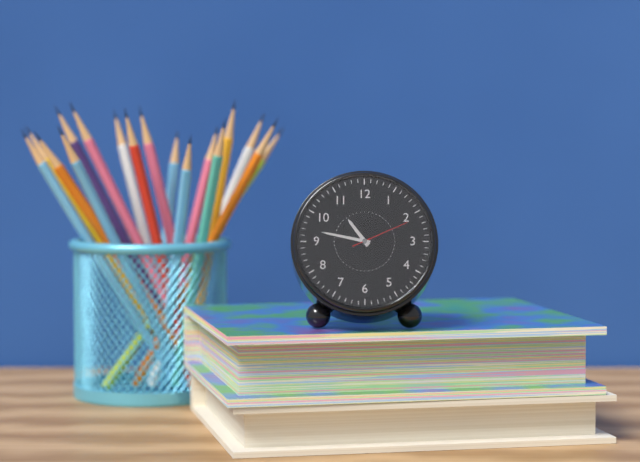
10:47:11
